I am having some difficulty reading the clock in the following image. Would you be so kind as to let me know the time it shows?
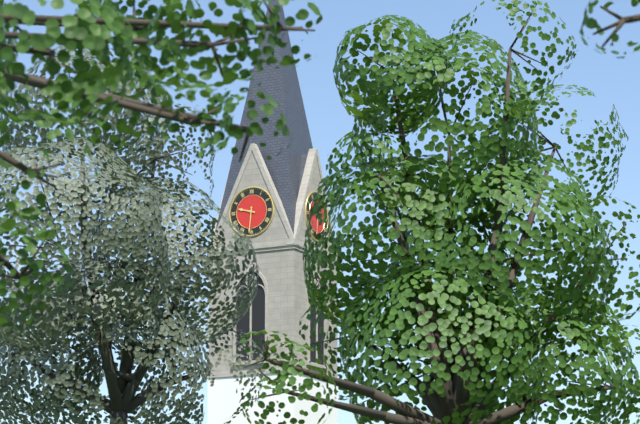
9:31
